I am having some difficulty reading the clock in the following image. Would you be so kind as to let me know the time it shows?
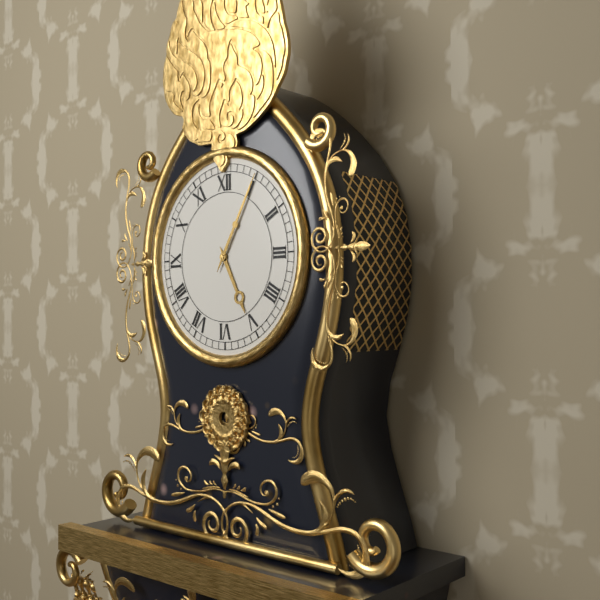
5:05
